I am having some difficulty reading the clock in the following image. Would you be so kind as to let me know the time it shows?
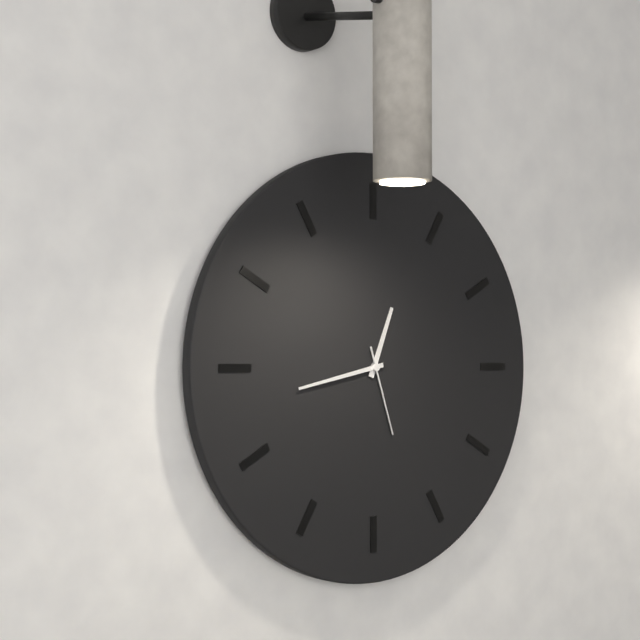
12:43:27
